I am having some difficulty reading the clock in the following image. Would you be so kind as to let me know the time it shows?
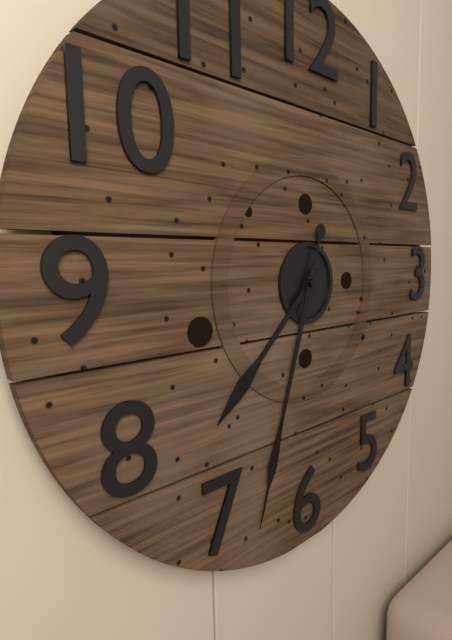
7:33
